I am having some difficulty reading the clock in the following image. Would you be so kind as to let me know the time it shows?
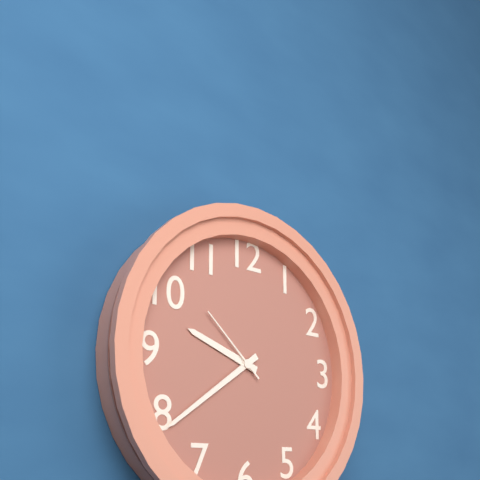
9:39:52
